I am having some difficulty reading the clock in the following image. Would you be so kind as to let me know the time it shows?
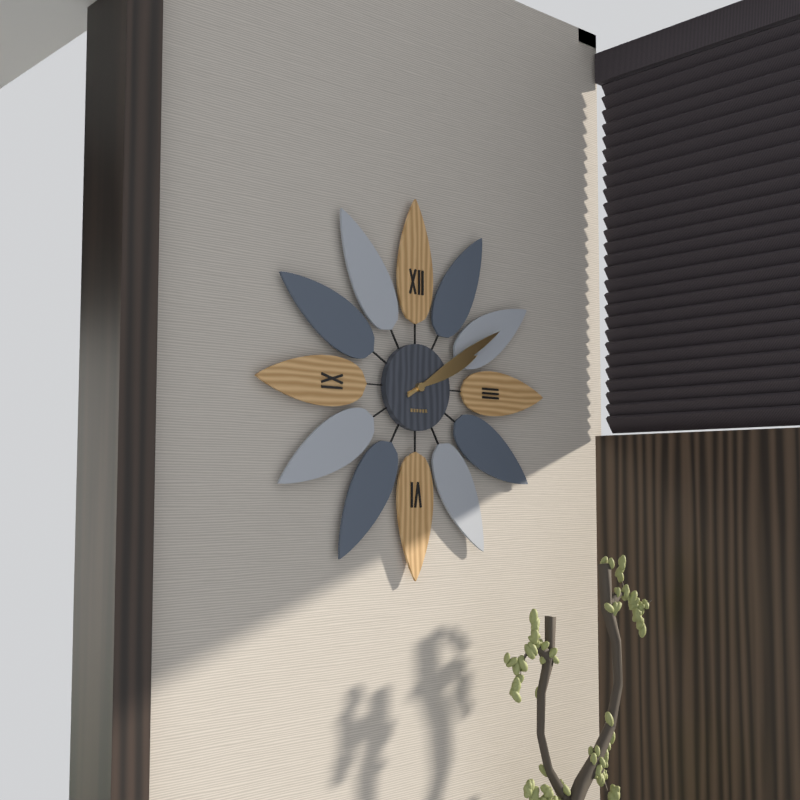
2:10
